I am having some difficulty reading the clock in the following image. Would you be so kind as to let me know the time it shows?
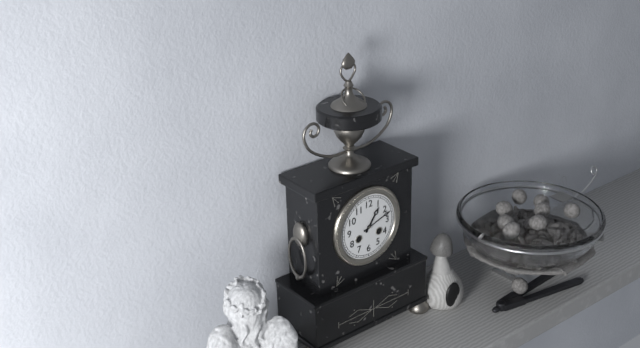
1:12
